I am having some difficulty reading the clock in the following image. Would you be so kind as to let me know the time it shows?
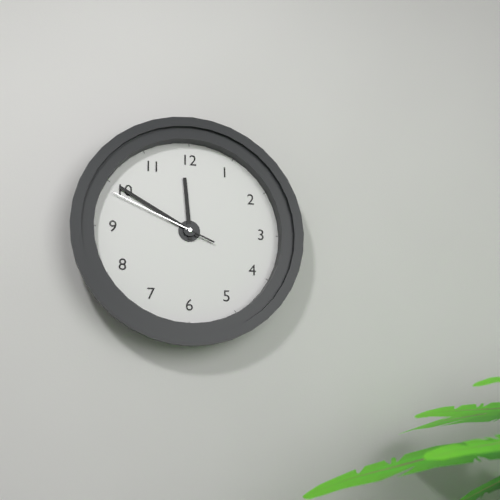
11:50:49
